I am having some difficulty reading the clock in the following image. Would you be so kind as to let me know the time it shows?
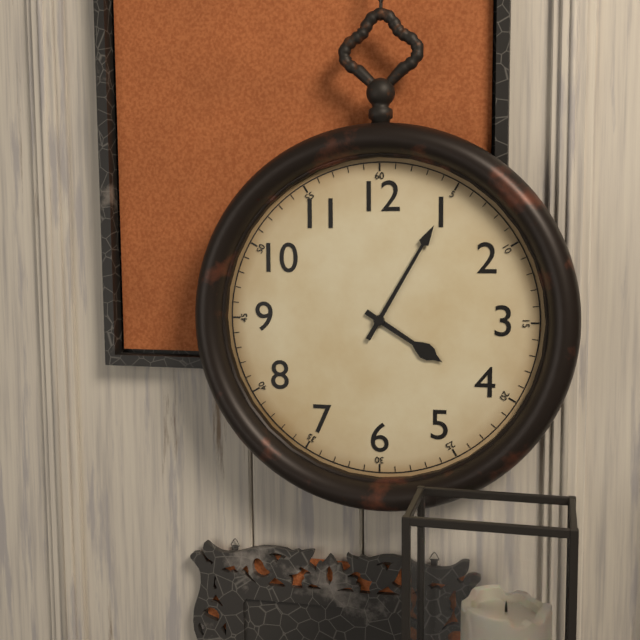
4:05
